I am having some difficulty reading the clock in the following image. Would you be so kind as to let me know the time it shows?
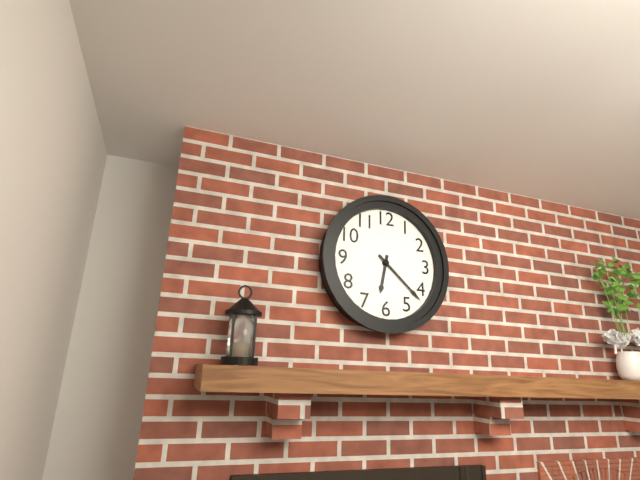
6:22
